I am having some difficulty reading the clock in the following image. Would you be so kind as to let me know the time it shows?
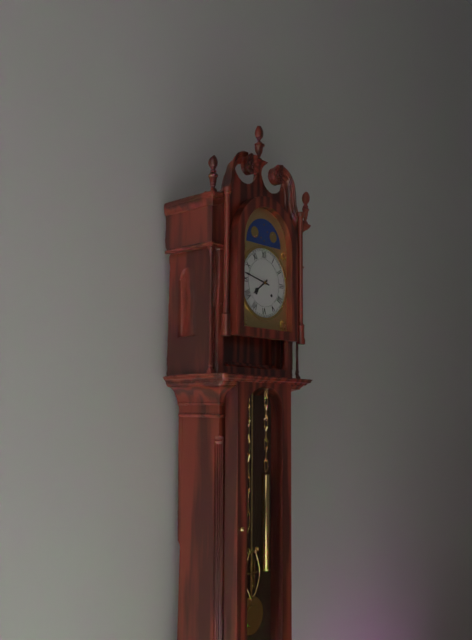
7:47
